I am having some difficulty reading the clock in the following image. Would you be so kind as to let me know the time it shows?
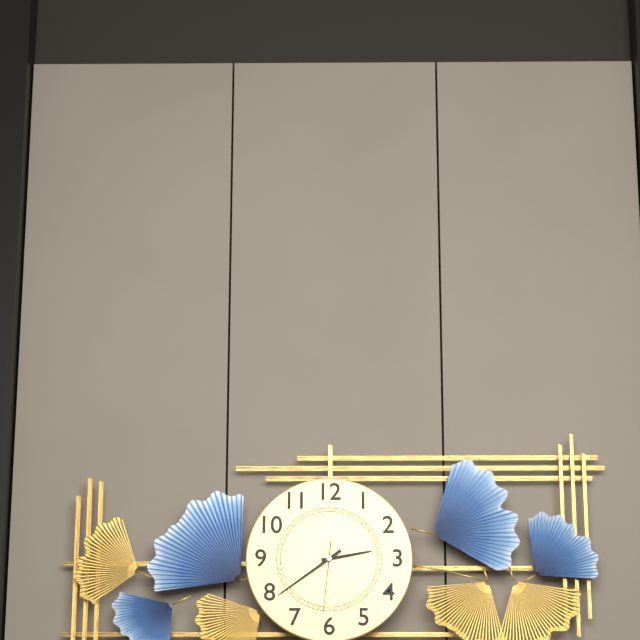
2:39:31
